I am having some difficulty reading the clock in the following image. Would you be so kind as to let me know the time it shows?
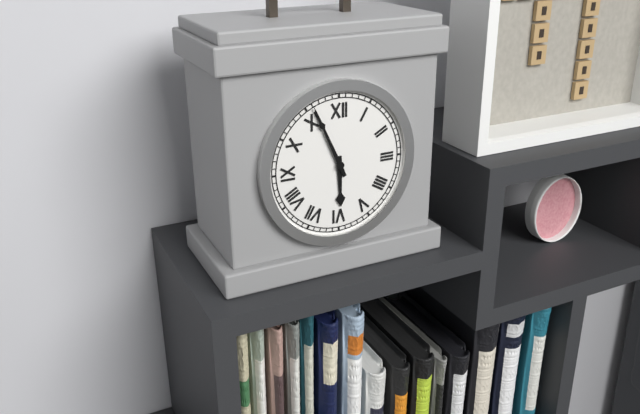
5:56
